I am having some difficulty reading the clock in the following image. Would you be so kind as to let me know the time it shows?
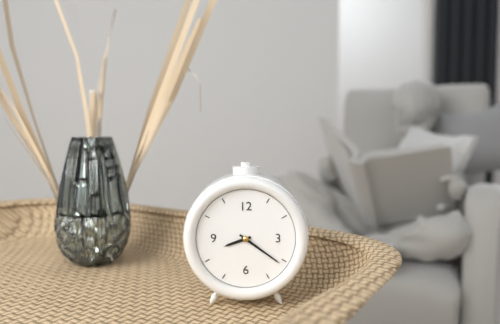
8:21
